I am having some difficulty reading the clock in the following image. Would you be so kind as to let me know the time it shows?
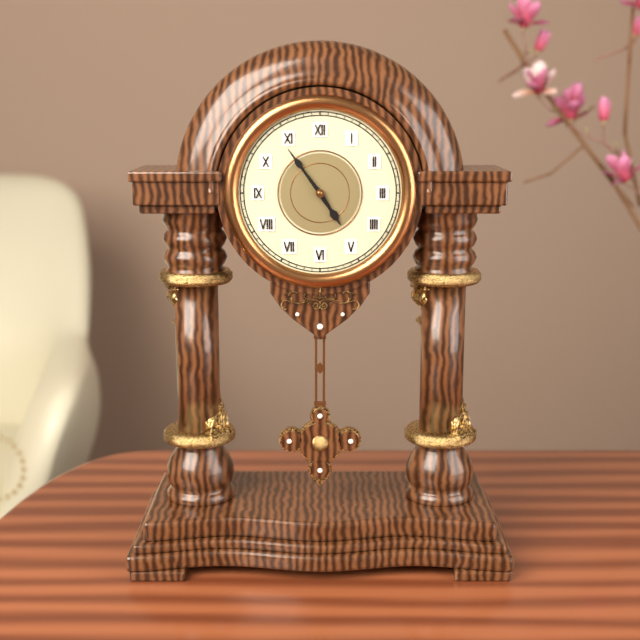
4:54
